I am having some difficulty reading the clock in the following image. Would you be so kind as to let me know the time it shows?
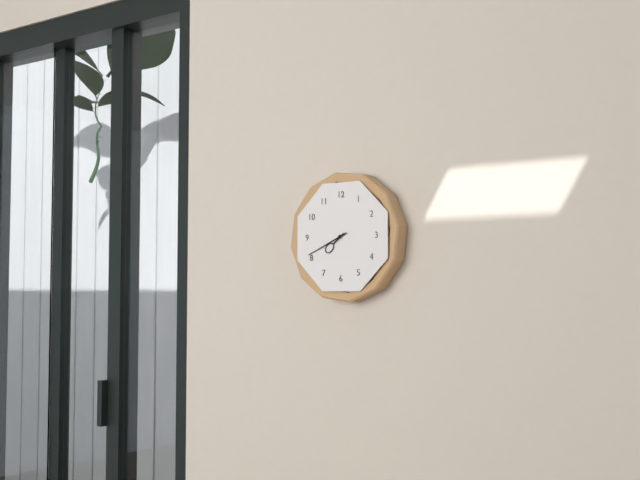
7:41
